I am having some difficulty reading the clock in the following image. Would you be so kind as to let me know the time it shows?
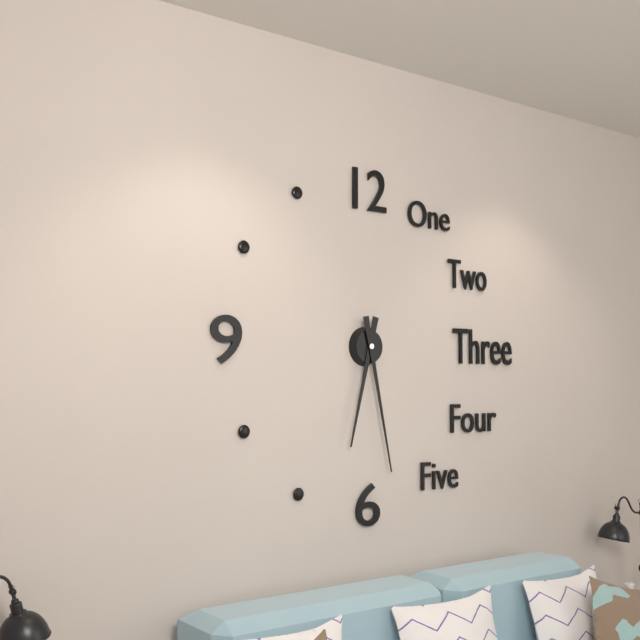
6:28
